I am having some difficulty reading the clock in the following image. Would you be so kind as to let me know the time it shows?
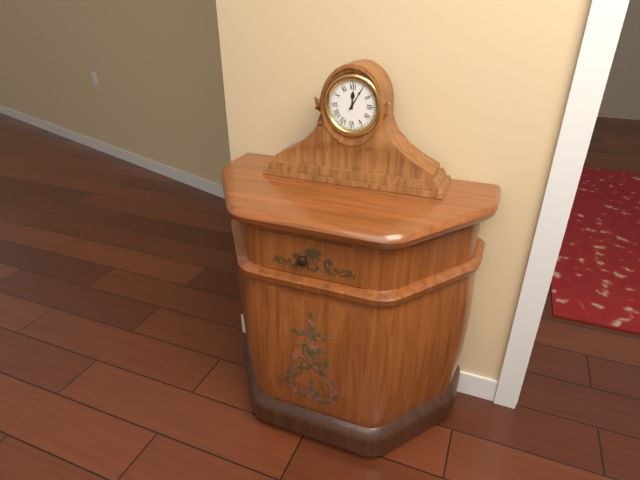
12:05
